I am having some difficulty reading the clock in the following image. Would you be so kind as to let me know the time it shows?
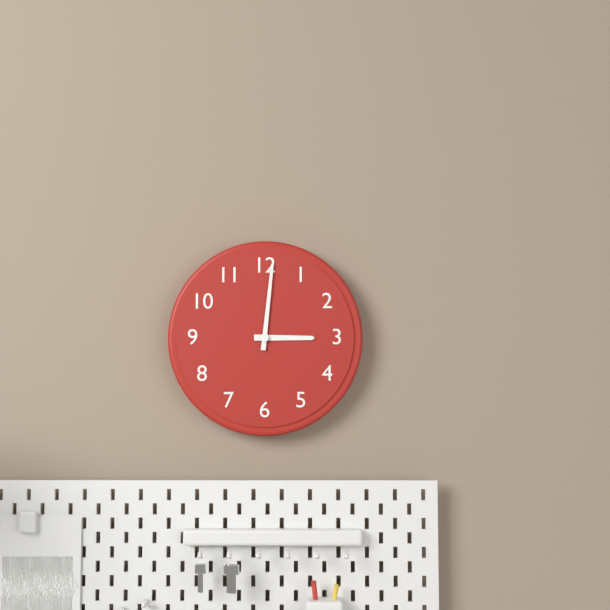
3:01
